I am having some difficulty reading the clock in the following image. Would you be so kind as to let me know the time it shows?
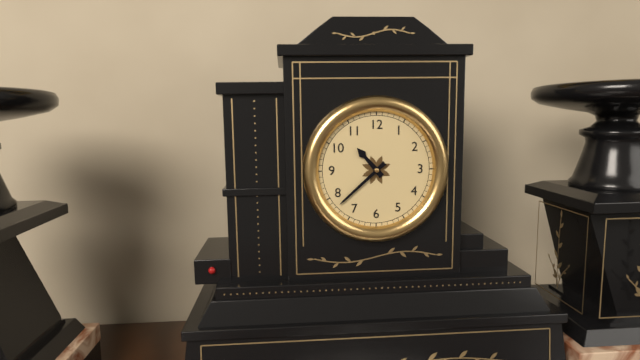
10:38
